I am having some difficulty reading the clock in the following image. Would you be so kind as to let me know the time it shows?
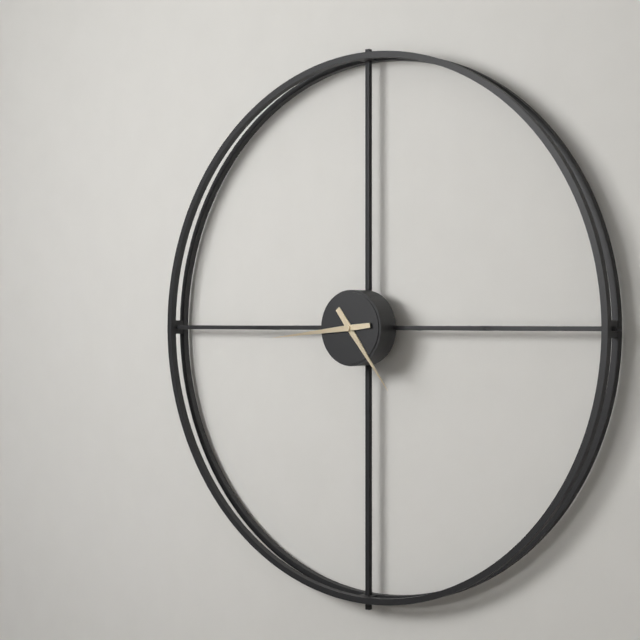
4:44
